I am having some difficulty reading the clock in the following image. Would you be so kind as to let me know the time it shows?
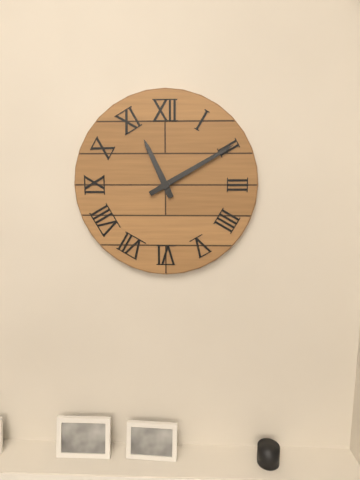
11:10
